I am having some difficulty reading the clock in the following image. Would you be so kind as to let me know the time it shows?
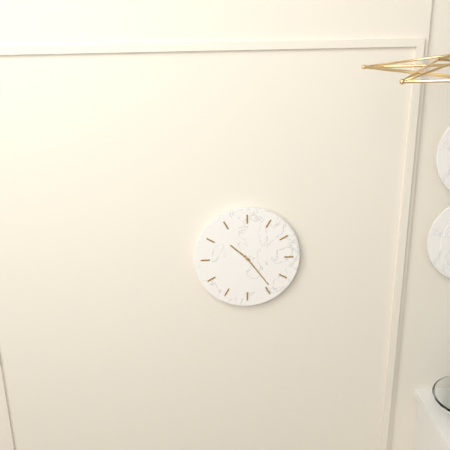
10:24
